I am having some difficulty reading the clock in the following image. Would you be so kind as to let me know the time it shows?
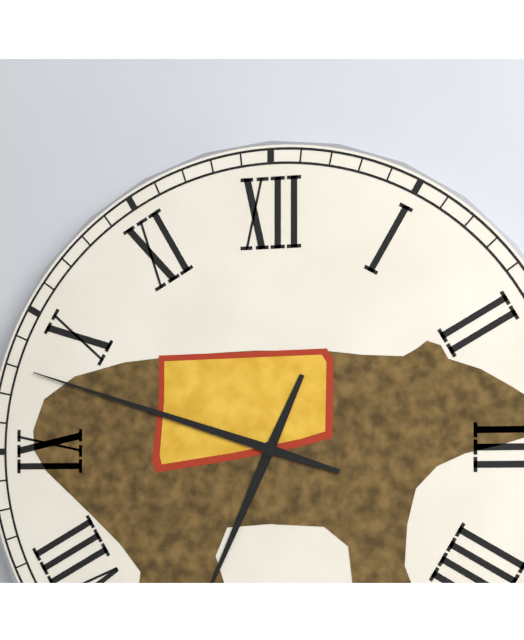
6:48
